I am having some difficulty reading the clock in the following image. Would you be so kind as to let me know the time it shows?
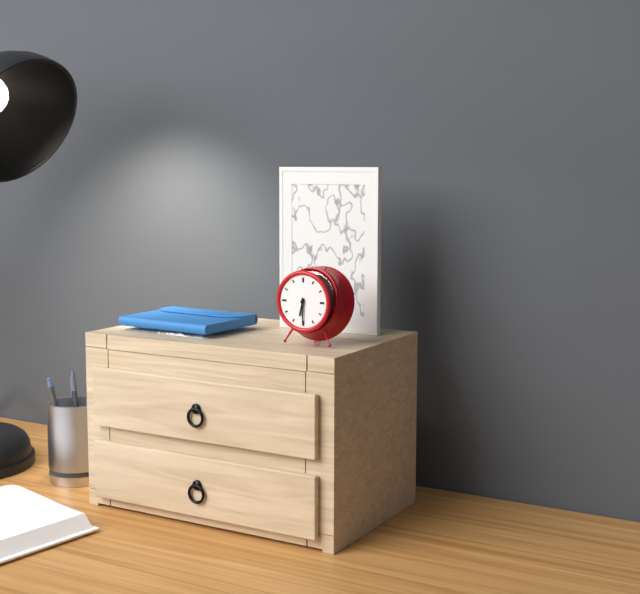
6:30
